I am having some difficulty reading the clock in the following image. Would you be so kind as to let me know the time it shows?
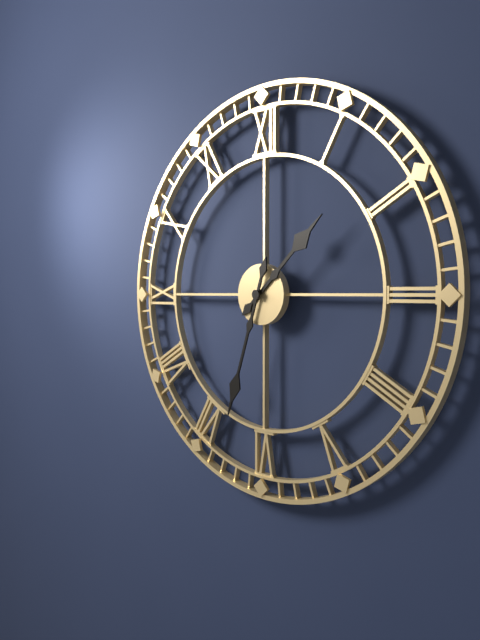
1:33
